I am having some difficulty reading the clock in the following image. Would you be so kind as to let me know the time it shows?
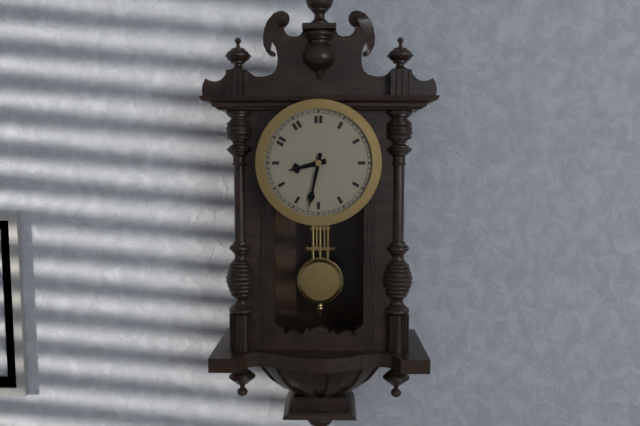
8:32
